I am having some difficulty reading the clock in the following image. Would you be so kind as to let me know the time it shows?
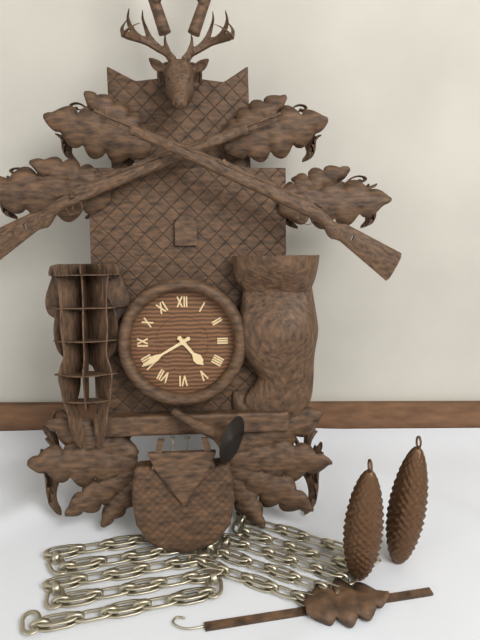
4:40
